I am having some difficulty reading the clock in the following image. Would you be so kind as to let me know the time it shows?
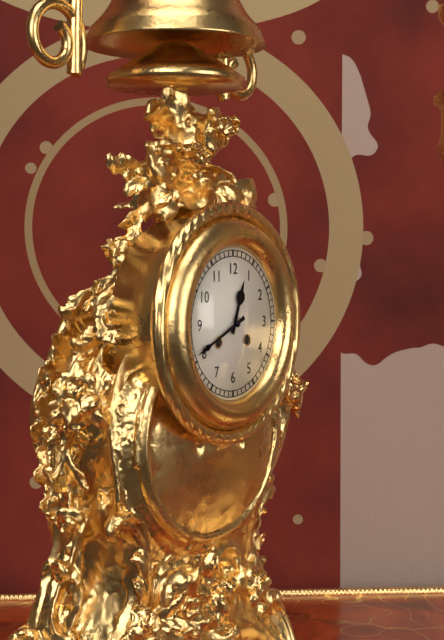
12:41
